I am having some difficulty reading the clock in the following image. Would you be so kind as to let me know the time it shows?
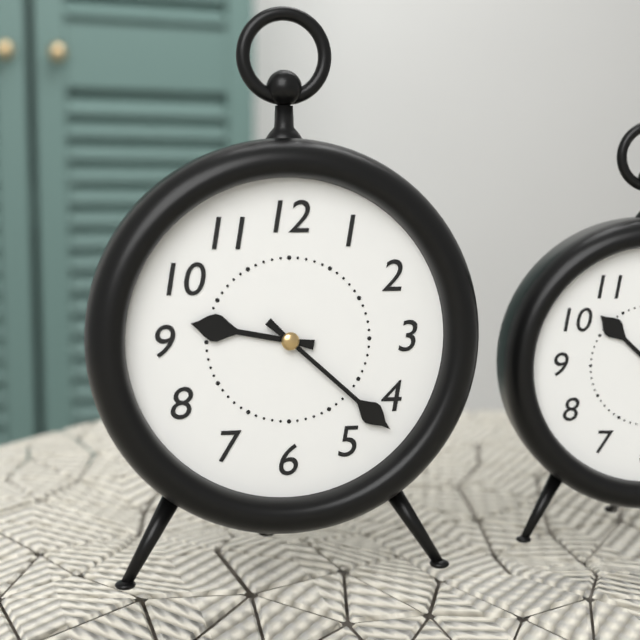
9:22
